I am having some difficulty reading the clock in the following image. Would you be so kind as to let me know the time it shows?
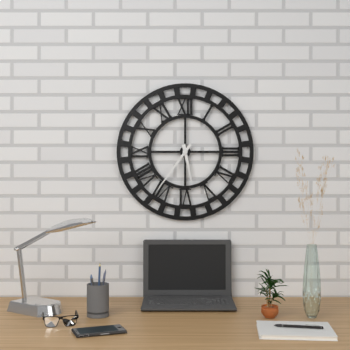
5:36
